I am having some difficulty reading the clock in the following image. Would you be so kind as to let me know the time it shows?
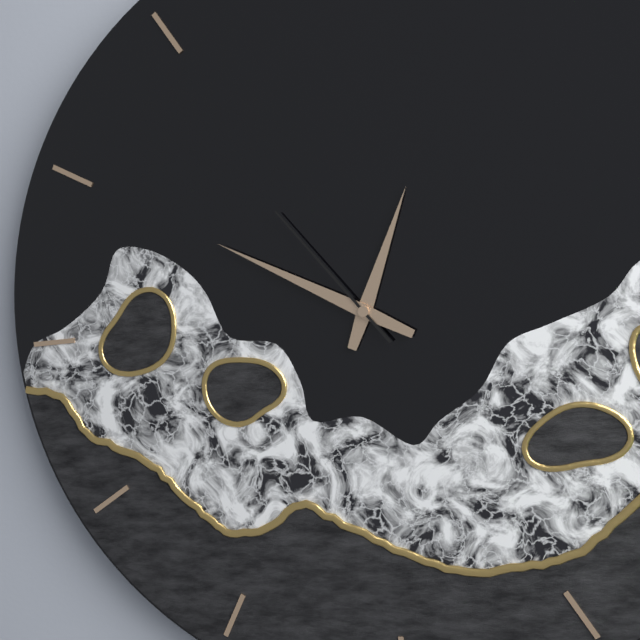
12:50:54
